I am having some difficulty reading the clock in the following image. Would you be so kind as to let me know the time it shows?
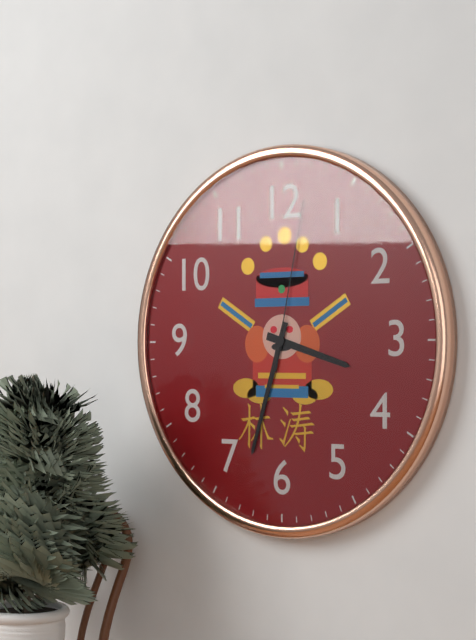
3:33:02
